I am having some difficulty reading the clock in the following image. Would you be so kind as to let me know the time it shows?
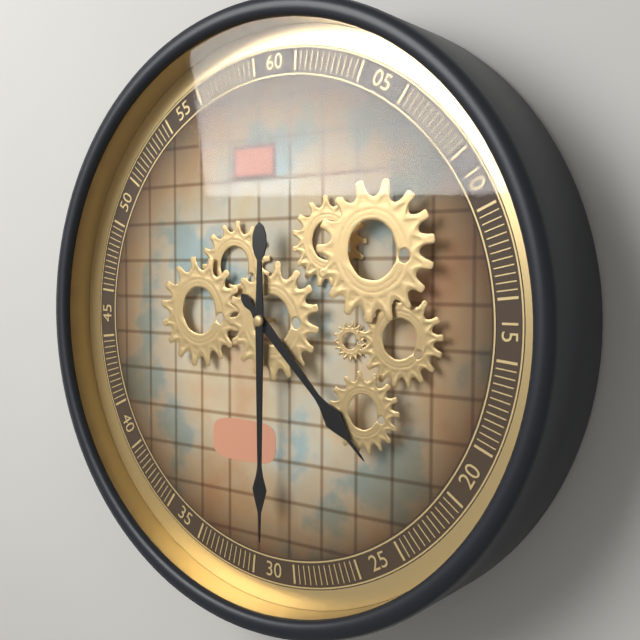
4:30
